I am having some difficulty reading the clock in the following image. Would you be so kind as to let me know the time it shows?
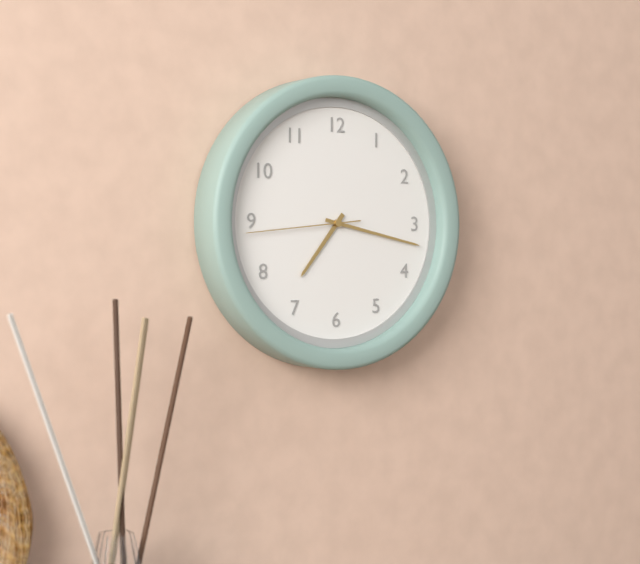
7:17:44
